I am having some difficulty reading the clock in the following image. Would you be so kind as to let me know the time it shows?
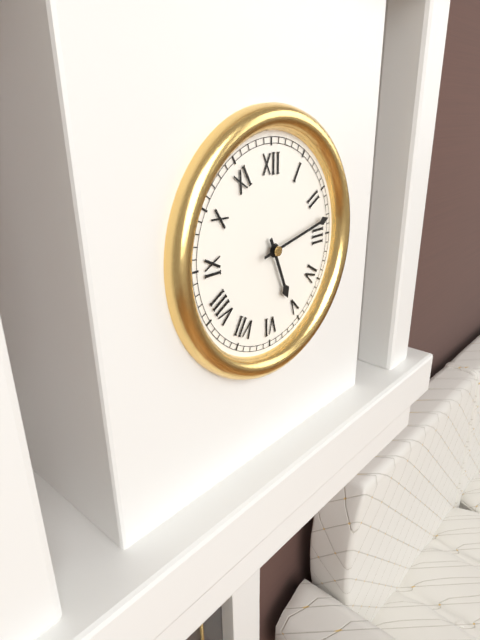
5:13
